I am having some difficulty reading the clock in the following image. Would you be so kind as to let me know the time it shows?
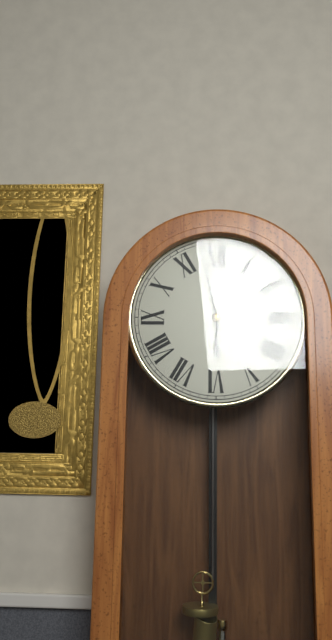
5:58
